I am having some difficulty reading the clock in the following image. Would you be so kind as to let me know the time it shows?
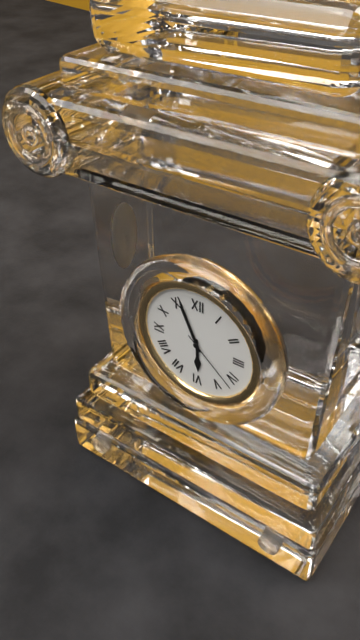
5:56:22
